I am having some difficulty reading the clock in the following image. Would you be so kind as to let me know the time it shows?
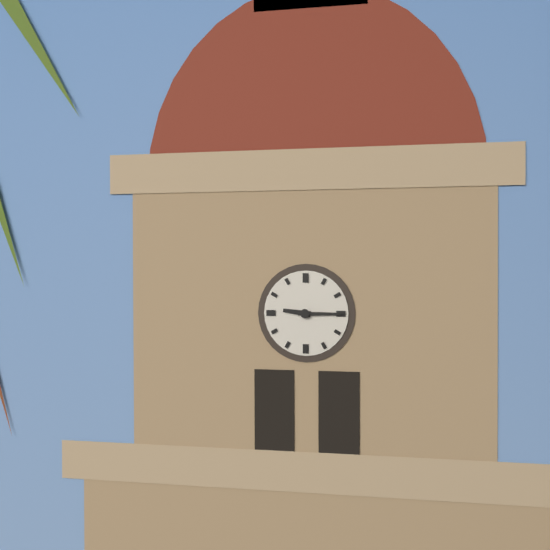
9:15
